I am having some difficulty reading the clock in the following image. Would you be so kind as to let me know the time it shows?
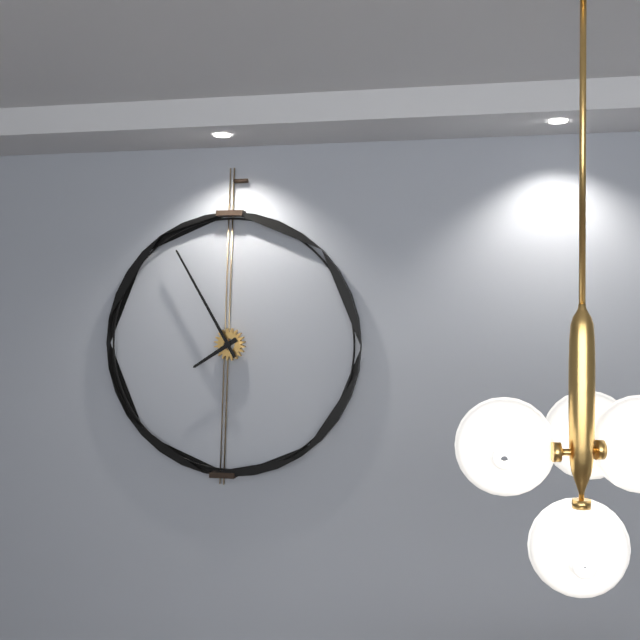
7:55
